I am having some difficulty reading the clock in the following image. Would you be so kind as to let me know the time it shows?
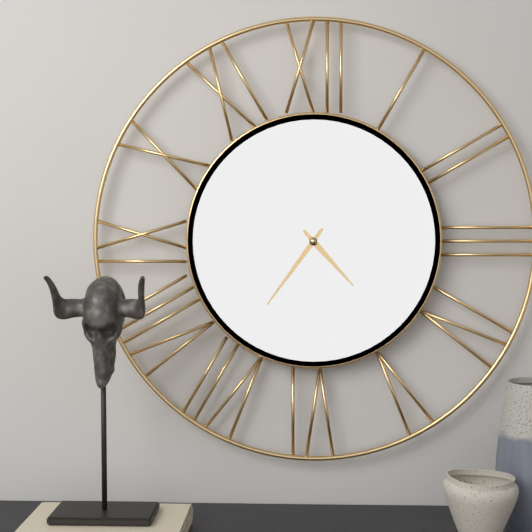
4:36
